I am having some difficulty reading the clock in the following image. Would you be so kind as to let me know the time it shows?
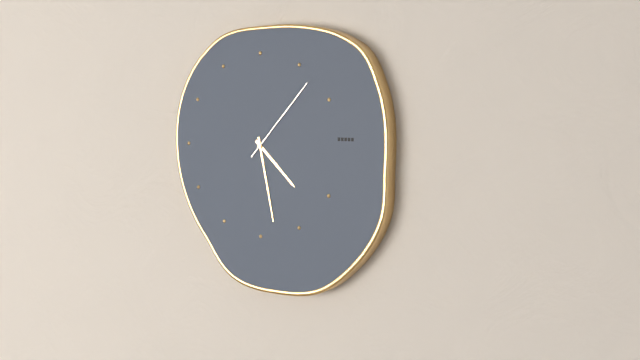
4:28:07
